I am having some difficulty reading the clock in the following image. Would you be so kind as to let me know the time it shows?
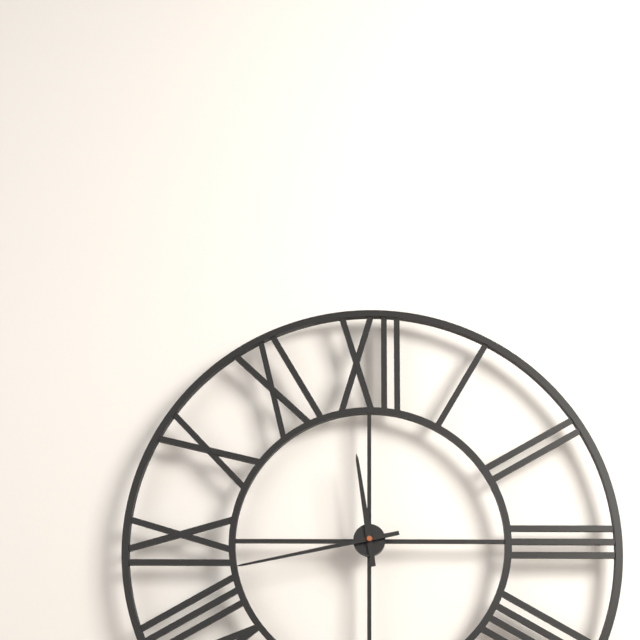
11:43
